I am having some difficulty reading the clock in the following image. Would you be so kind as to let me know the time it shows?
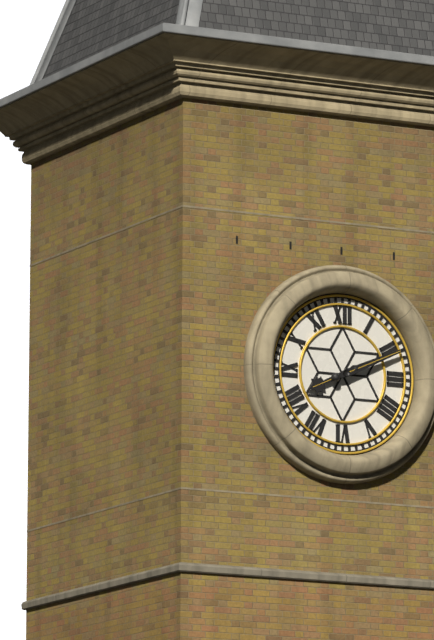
8:11
